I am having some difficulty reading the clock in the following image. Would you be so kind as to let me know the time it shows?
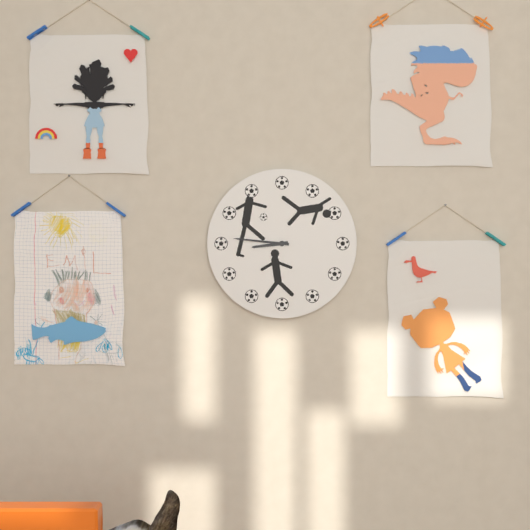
8:46
